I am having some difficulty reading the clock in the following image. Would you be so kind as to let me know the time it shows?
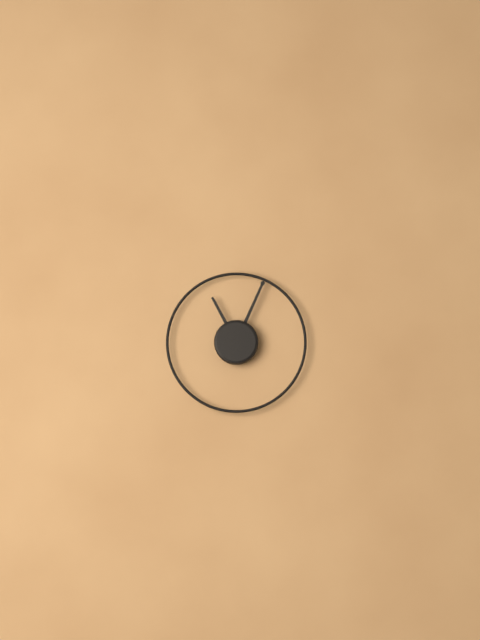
11:04
